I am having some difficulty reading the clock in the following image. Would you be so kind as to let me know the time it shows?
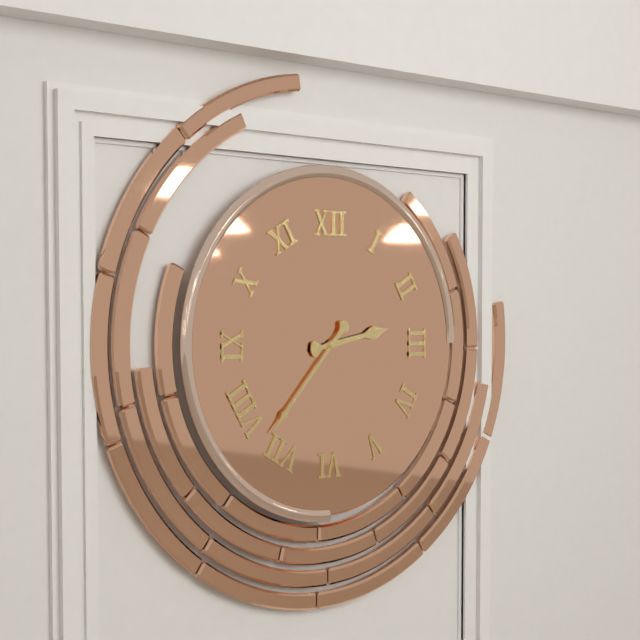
2:37
